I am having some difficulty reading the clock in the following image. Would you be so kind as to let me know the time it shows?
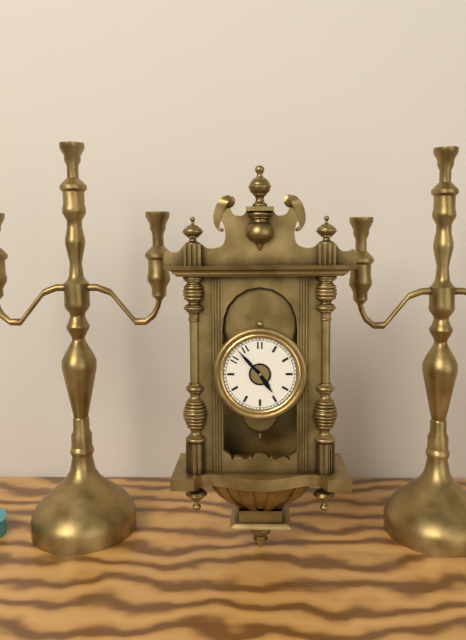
4:53
